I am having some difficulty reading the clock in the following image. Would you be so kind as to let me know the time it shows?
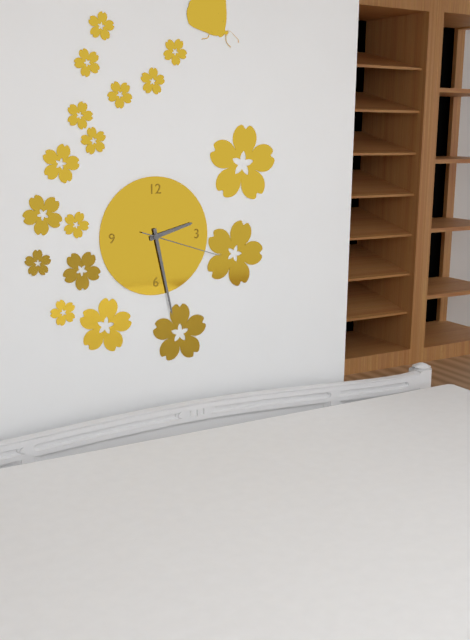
2:28:18
